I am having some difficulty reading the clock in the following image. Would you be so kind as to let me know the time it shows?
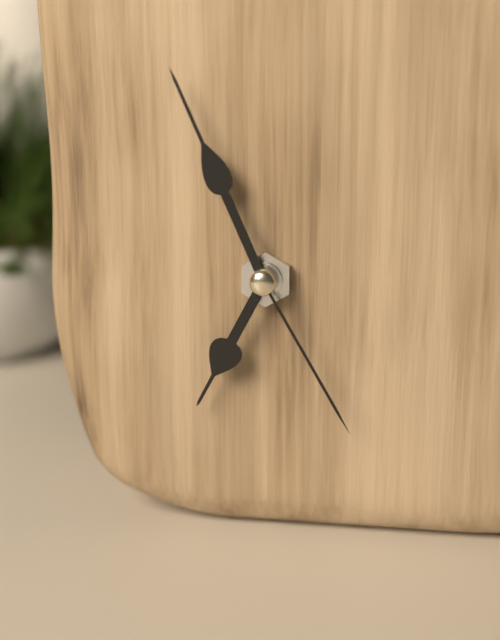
6:56:25
